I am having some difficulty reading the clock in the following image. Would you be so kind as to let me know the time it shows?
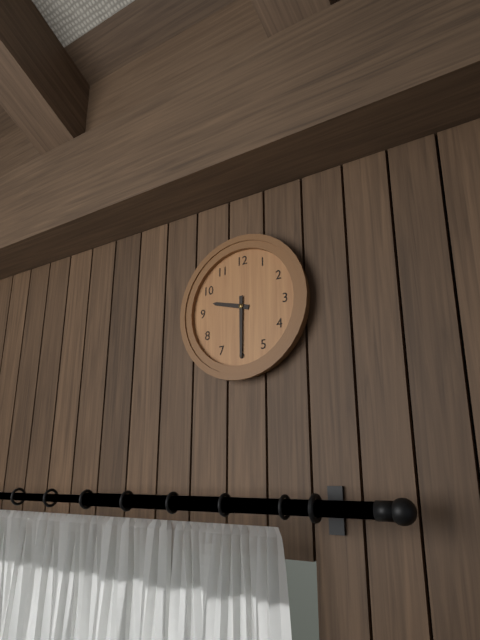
9:30
